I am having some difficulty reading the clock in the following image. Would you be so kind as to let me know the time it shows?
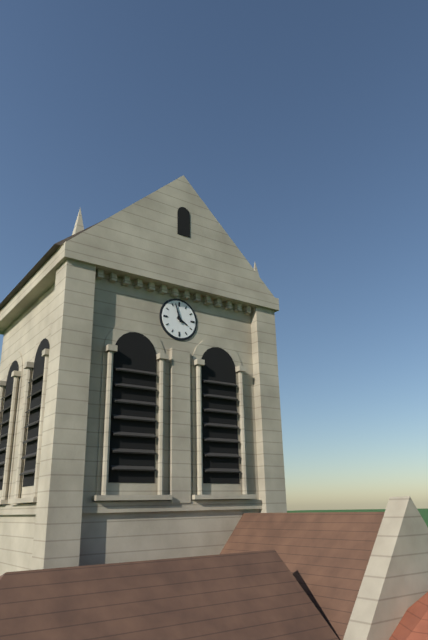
3:57
